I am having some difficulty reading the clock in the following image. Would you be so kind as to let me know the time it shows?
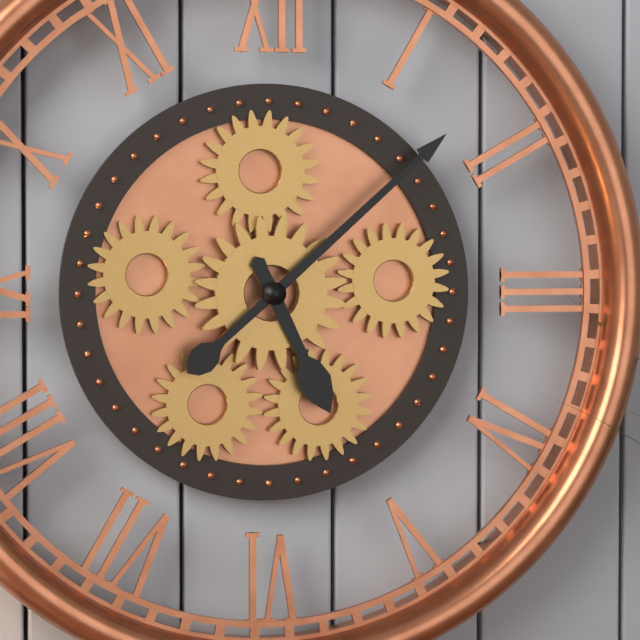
5:08
